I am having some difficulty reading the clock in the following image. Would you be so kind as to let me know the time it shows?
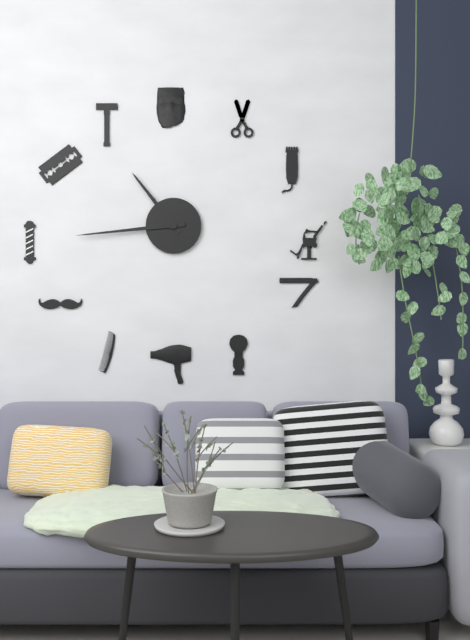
10:44
